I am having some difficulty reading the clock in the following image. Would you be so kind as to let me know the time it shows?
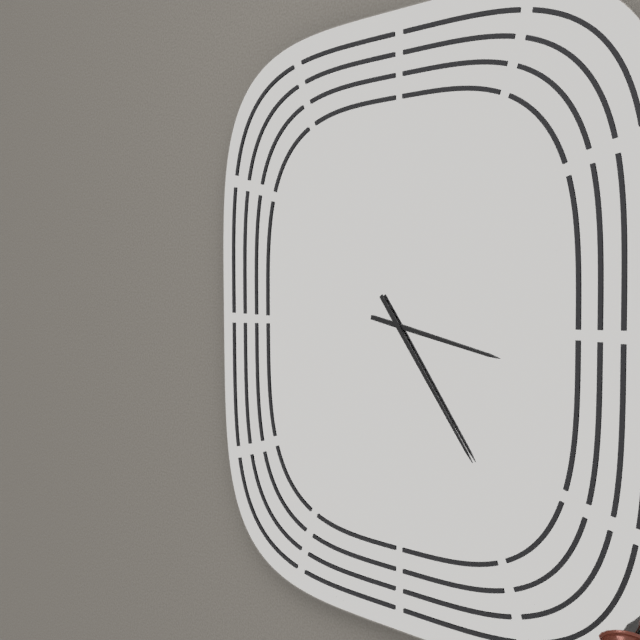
3:24
